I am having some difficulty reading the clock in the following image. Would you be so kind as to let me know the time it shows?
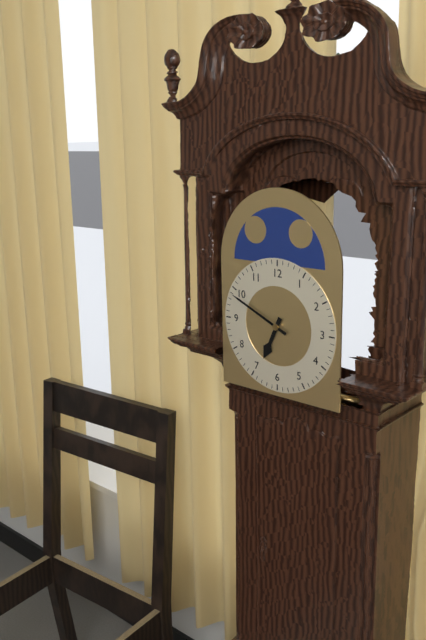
6:49
